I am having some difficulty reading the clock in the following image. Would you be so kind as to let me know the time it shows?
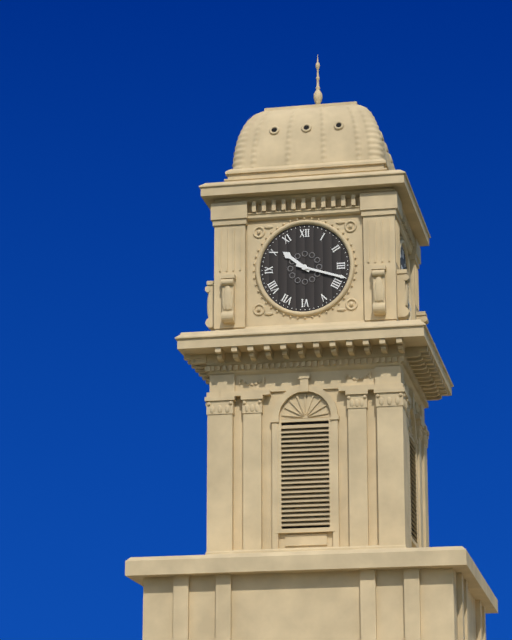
10:18
